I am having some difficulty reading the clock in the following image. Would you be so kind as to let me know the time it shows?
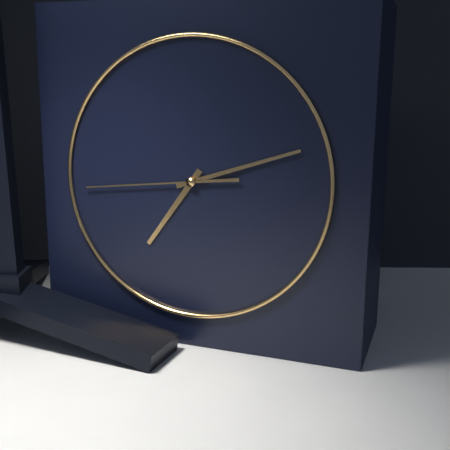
7:12:44
